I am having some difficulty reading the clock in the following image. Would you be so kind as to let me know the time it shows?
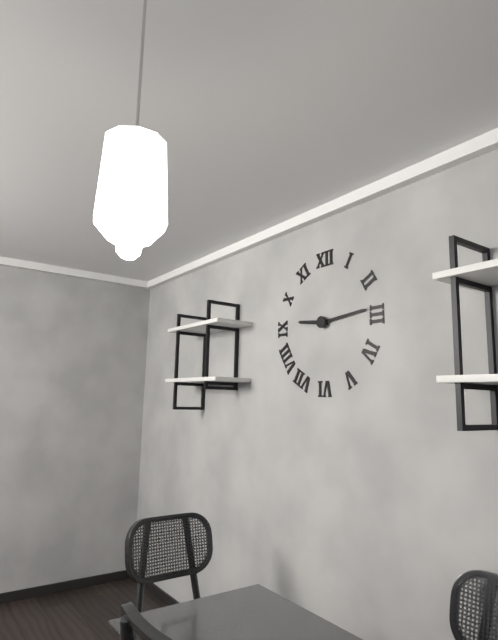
9:14
